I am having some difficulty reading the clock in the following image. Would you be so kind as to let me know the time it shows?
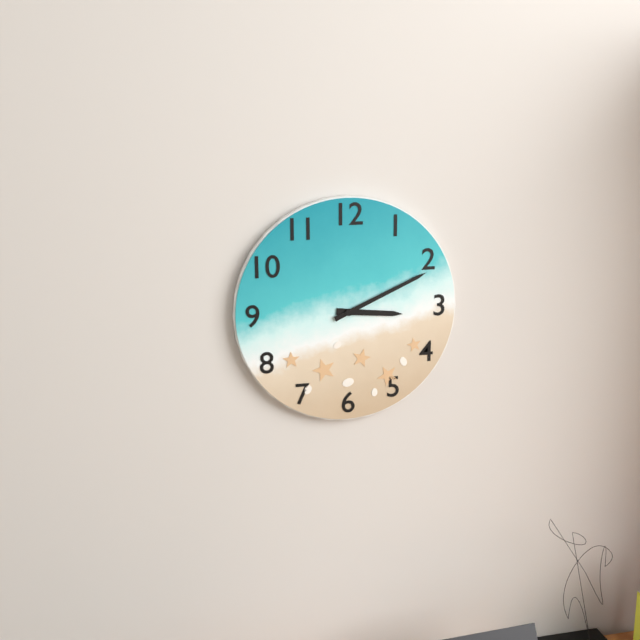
3:11
